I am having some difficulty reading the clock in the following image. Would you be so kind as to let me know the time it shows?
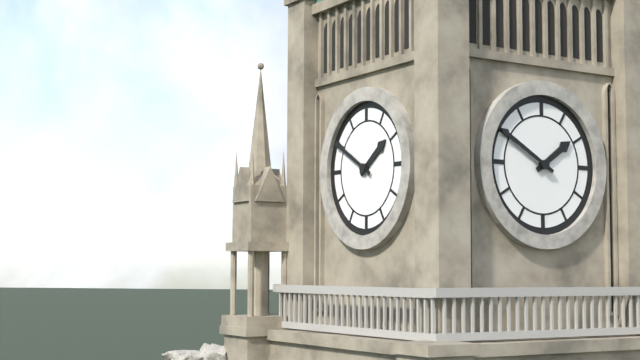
1:50
